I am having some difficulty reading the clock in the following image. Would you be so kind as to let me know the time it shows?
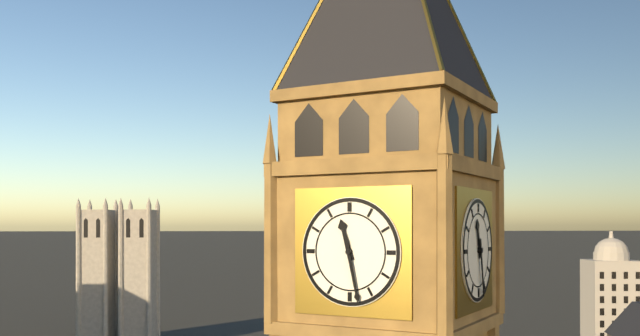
11:28
